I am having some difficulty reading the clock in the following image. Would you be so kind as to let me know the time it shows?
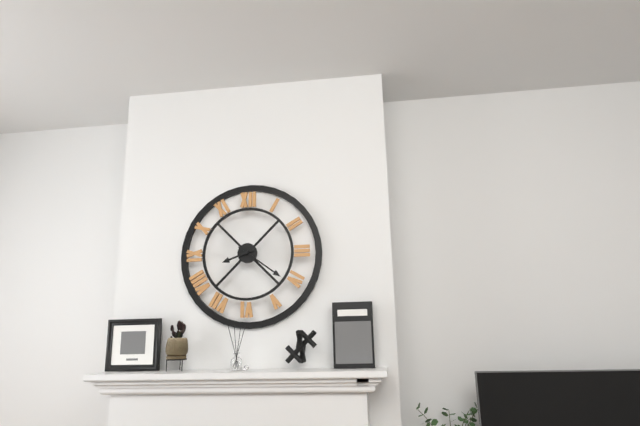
8:21
